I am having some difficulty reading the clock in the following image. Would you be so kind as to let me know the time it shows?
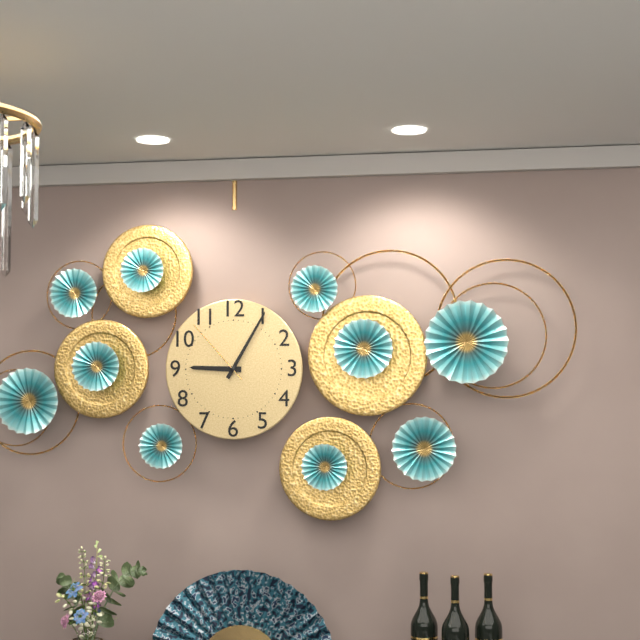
9:05:53
